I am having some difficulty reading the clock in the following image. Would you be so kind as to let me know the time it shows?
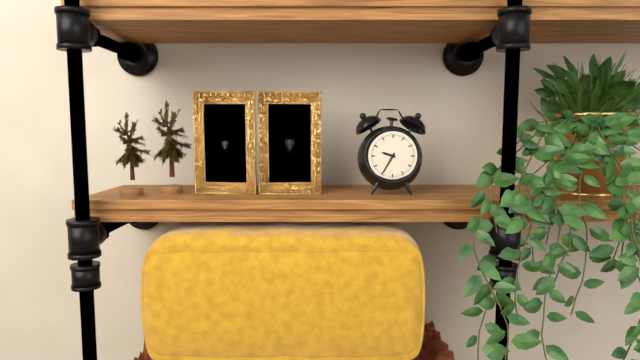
9:35
